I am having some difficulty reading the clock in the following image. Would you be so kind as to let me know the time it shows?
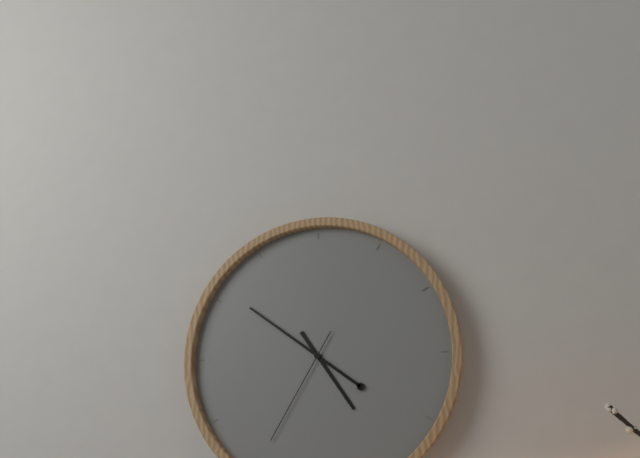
4:51:35
